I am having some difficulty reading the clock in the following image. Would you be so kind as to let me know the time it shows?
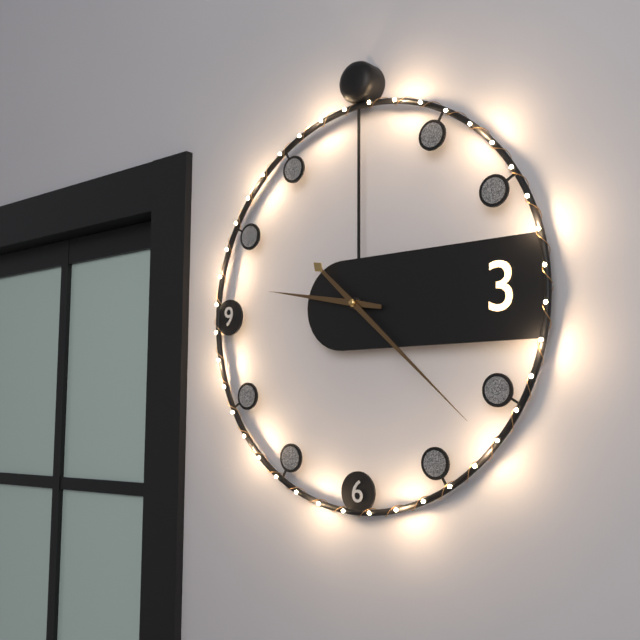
9:22
